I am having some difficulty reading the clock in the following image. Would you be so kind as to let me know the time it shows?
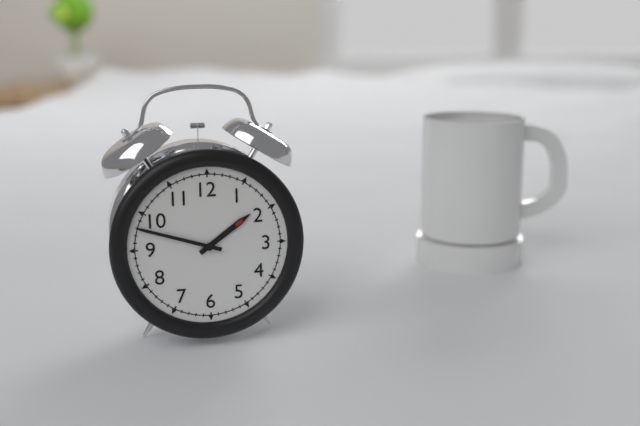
1:48
